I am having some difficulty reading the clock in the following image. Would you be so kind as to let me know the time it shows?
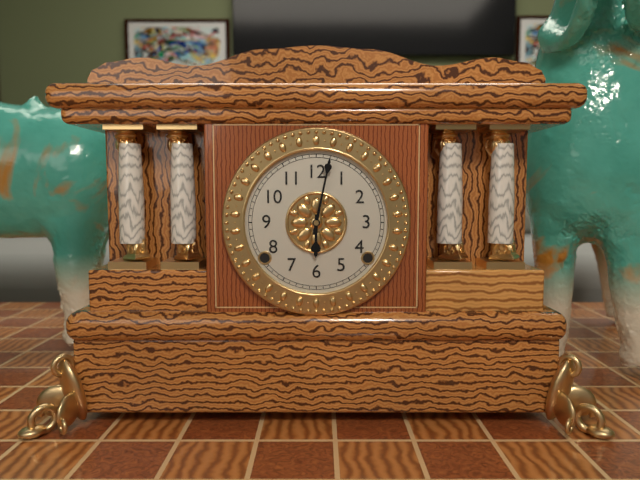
6:02
